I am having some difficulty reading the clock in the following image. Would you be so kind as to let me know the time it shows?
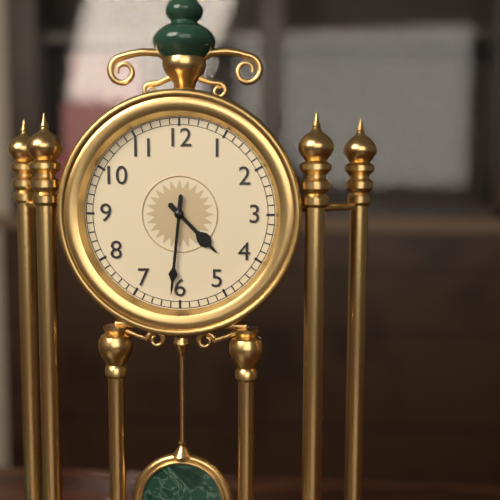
4:31
